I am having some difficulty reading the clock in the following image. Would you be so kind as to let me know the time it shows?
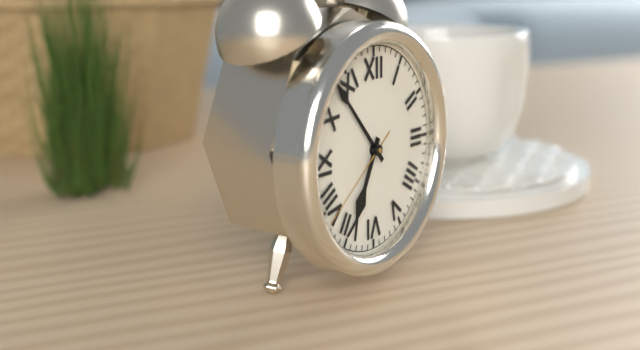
6:53:39
